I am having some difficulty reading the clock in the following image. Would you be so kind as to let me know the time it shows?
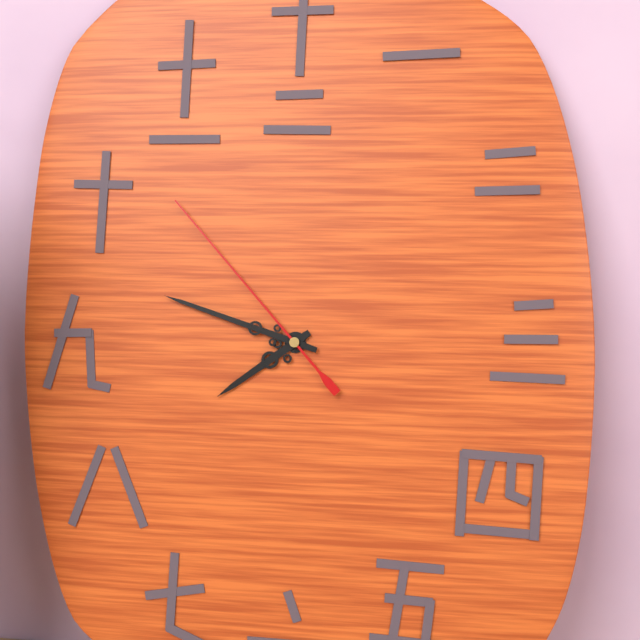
7:48:53
